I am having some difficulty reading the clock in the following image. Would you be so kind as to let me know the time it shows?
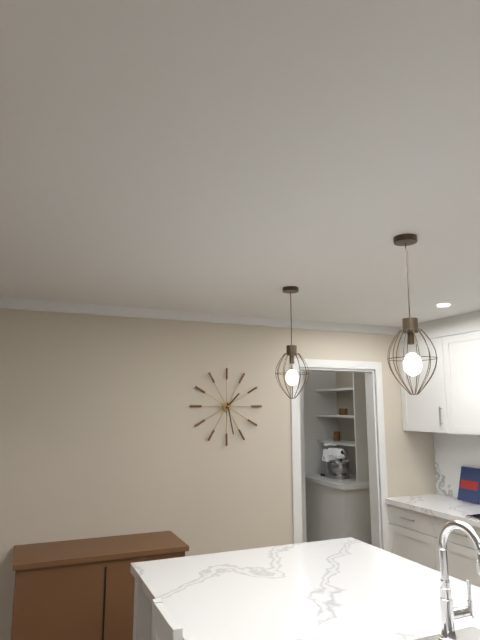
1:28
